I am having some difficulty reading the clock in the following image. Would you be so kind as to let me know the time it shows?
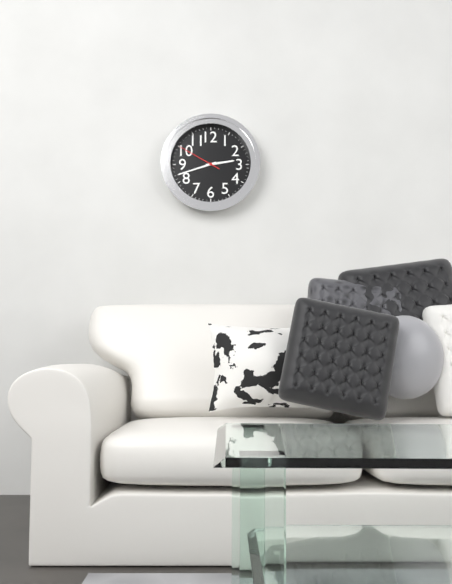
2:42
